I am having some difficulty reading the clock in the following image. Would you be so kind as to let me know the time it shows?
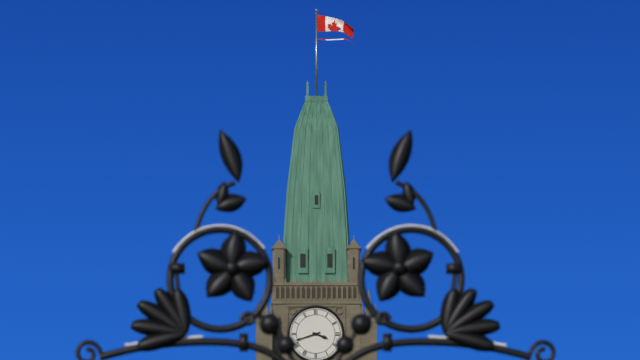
3:42
